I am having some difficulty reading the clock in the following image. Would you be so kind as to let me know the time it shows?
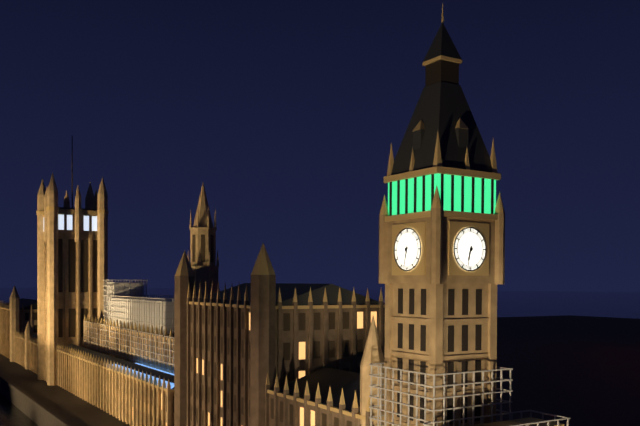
6:32
